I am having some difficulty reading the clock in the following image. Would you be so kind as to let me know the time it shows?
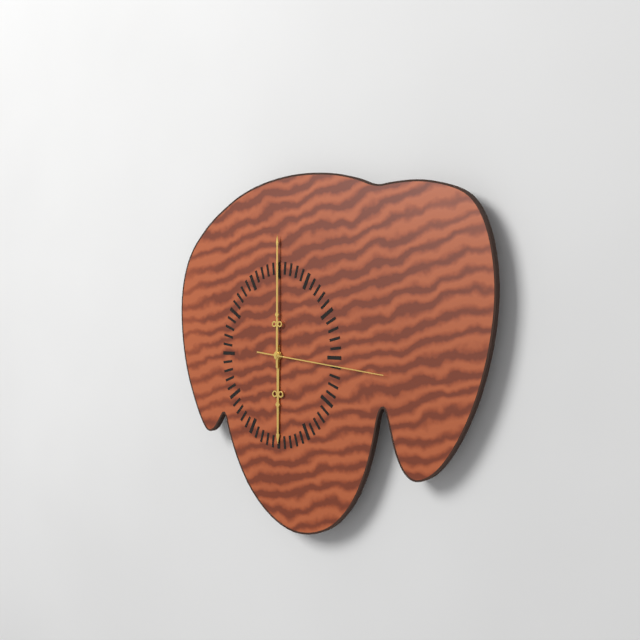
6:00:16
